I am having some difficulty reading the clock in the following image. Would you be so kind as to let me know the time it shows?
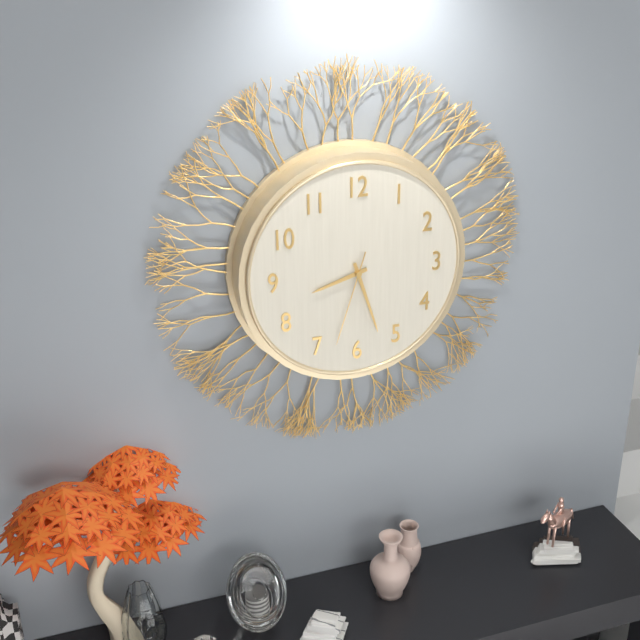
8:27:33
